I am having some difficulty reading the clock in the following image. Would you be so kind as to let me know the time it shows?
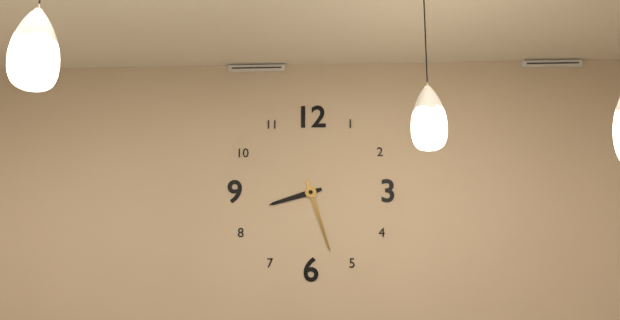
8:27
